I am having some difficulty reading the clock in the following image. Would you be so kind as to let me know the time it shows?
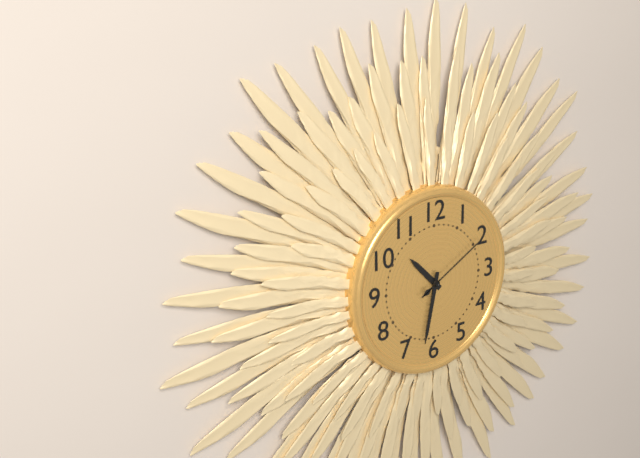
10:32:10
